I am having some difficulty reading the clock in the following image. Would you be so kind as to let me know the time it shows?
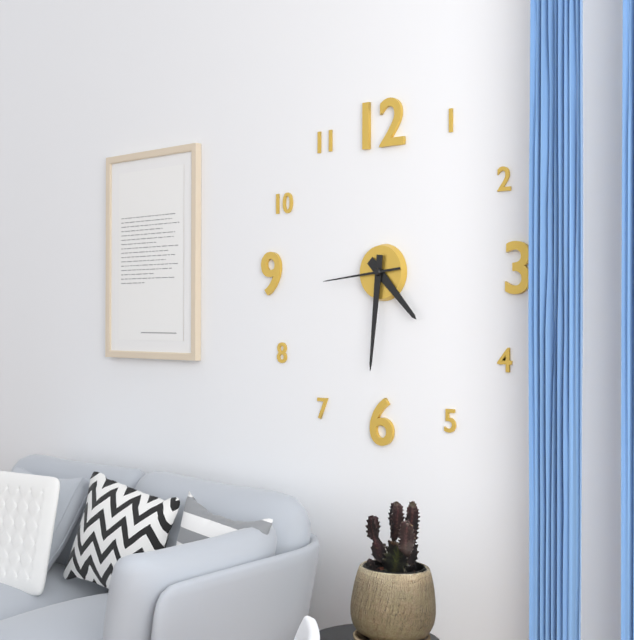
4:31:44
